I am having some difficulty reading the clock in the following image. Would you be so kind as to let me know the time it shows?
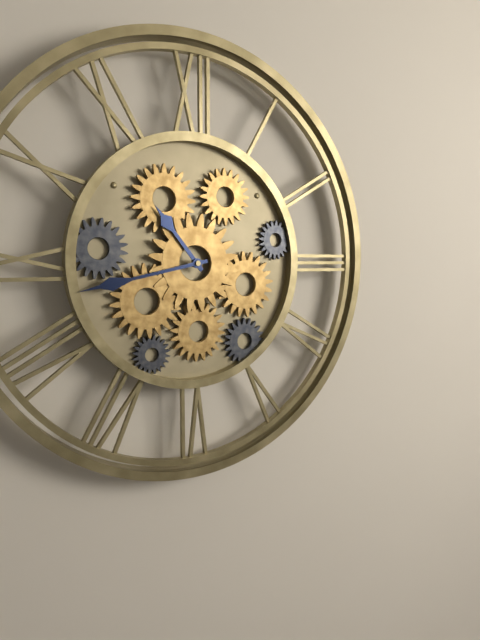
10:43
